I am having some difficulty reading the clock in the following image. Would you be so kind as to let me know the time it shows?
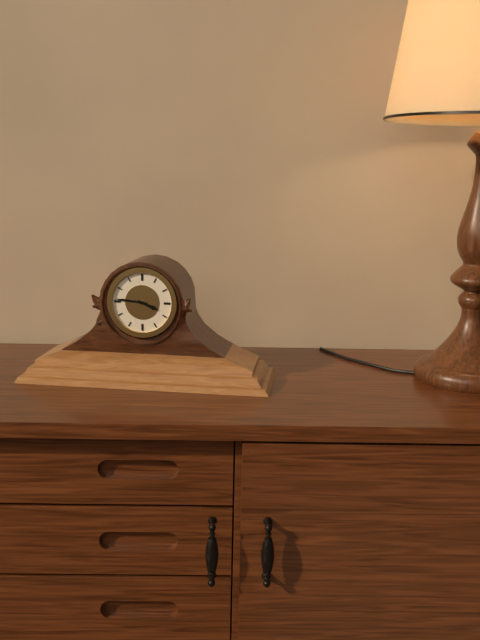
3:46
